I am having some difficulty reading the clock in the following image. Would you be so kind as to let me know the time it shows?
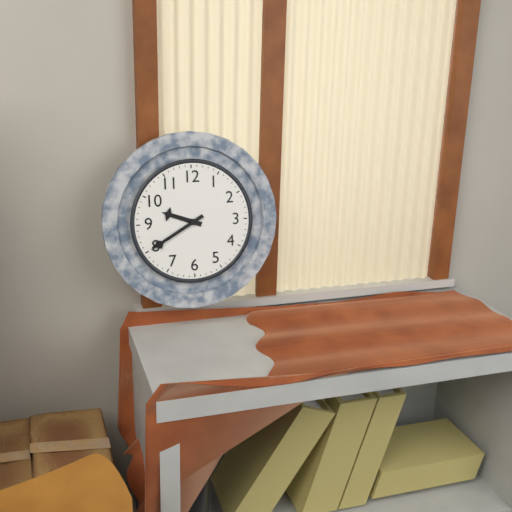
9:40
